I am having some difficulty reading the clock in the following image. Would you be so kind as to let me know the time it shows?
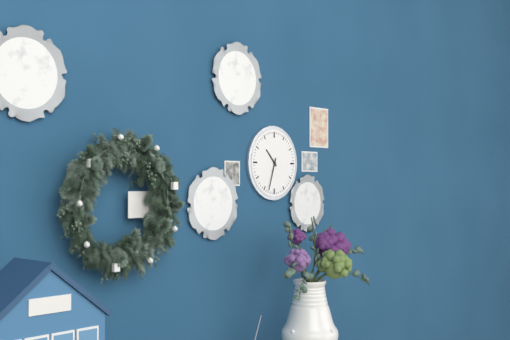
10:33
